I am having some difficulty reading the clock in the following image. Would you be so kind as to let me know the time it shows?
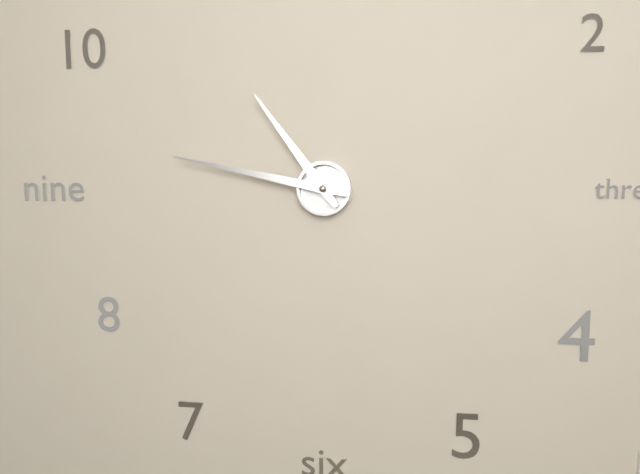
10:47
